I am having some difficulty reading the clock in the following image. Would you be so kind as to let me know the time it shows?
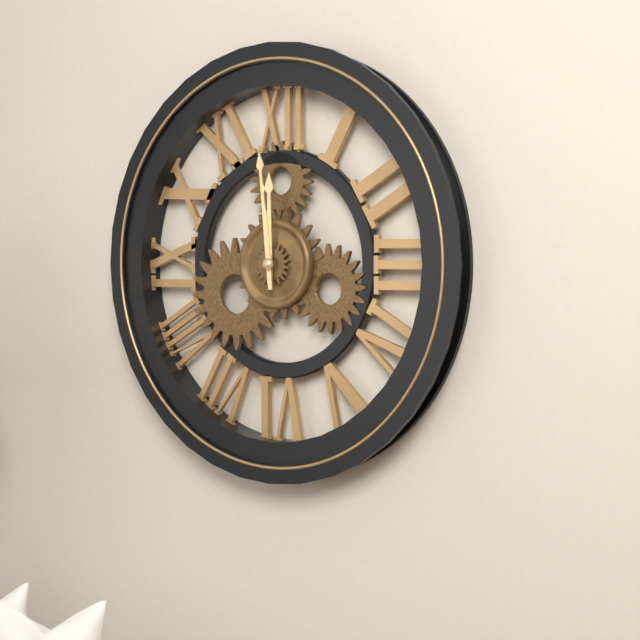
11:59
